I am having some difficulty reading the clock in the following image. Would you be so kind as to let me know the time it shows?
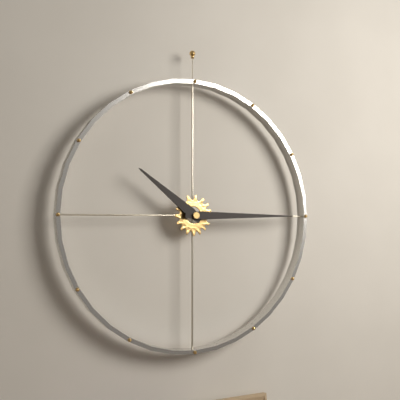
10:15
